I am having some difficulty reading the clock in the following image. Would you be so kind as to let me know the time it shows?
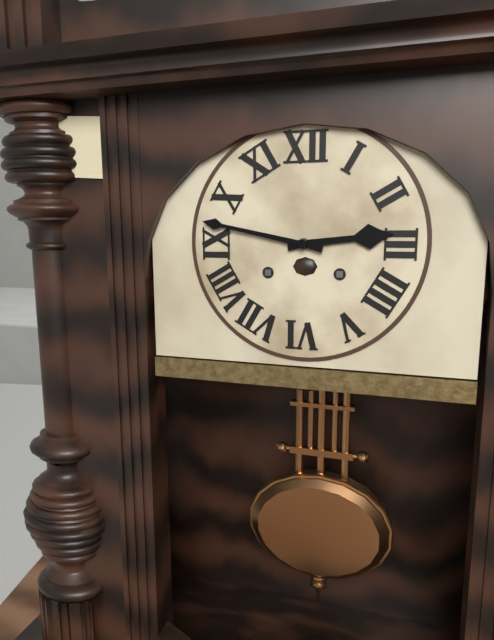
2:47
